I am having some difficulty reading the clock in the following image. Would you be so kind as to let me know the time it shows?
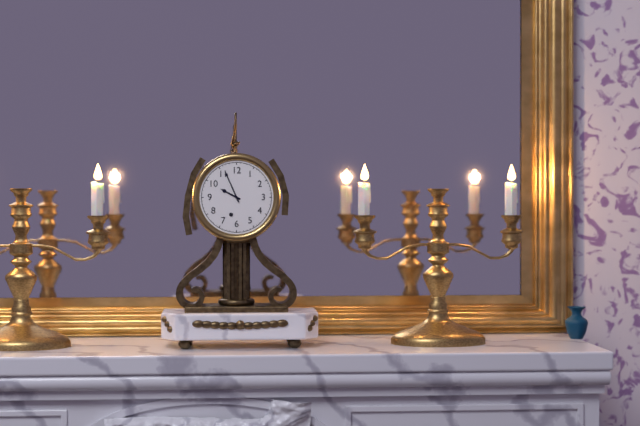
9:56
